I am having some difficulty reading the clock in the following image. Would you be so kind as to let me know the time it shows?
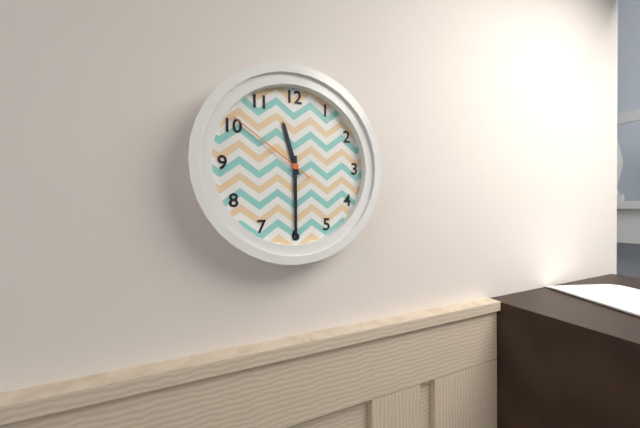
11:30:51
